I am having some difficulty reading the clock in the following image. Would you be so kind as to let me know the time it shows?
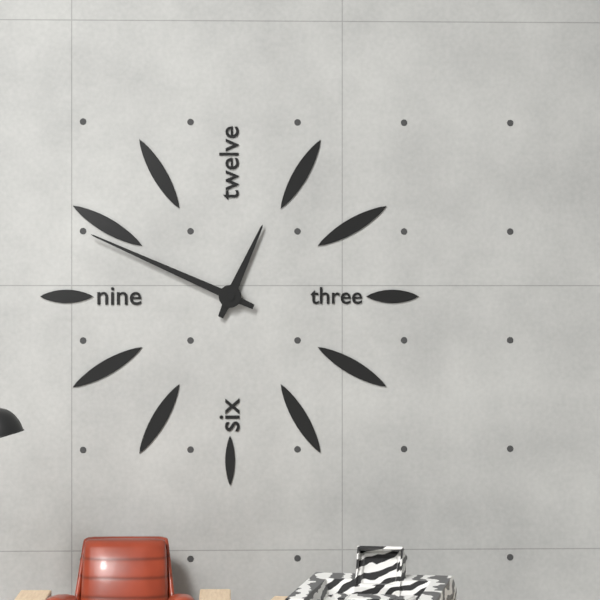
12:49
